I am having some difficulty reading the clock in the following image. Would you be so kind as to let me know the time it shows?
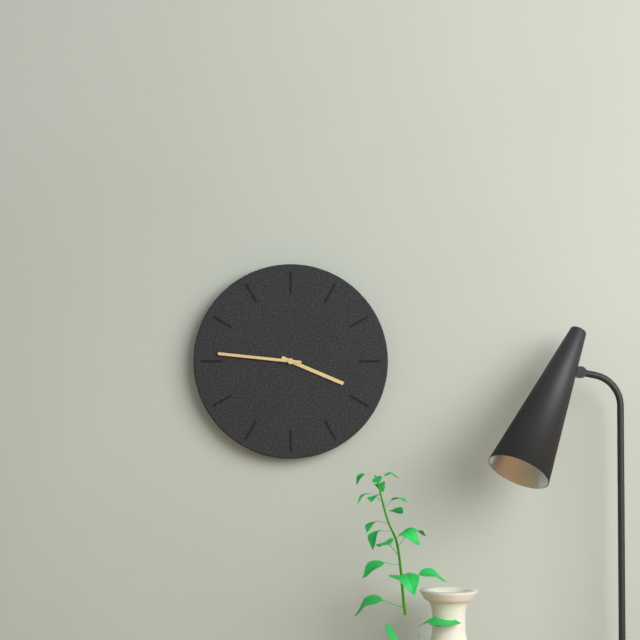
3:46
